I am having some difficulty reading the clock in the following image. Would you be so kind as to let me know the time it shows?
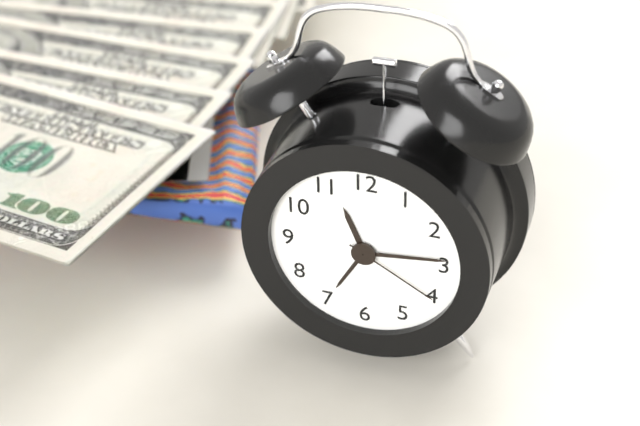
11:14:20
